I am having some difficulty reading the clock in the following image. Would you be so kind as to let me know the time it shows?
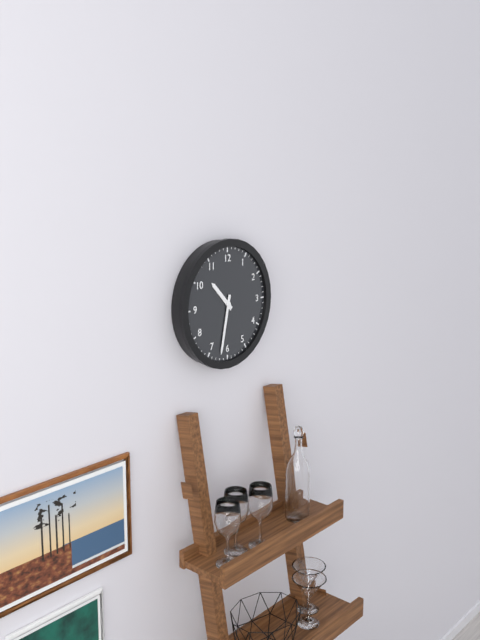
10:32
